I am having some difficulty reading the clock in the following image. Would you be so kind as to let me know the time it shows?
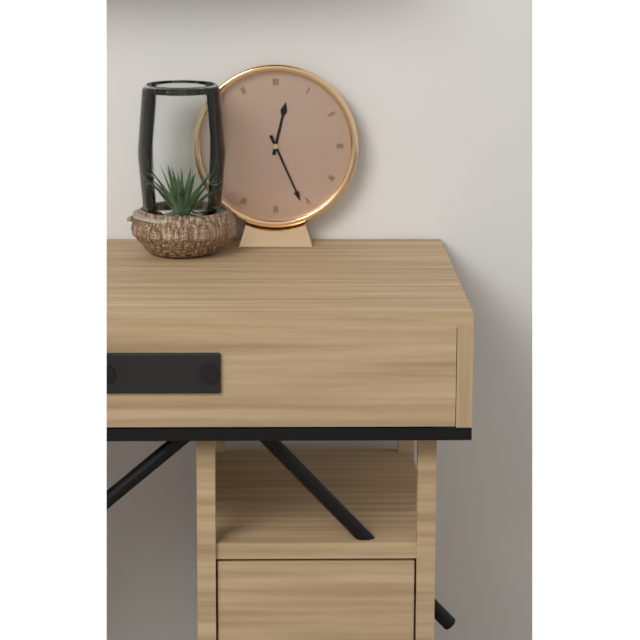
12:26
